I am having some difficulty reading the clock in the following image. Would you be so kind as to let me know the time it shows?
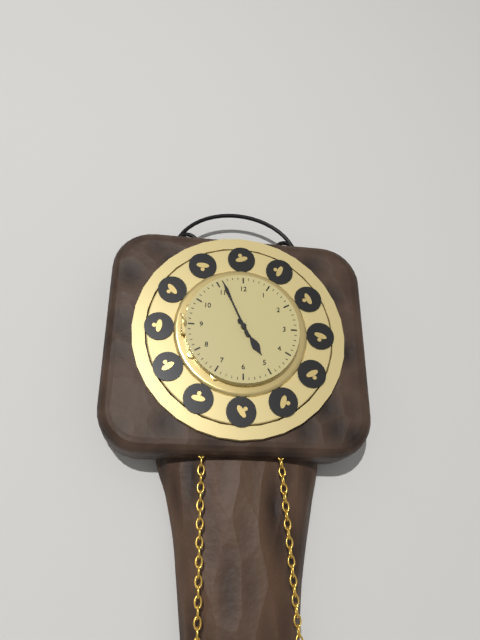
4:56
